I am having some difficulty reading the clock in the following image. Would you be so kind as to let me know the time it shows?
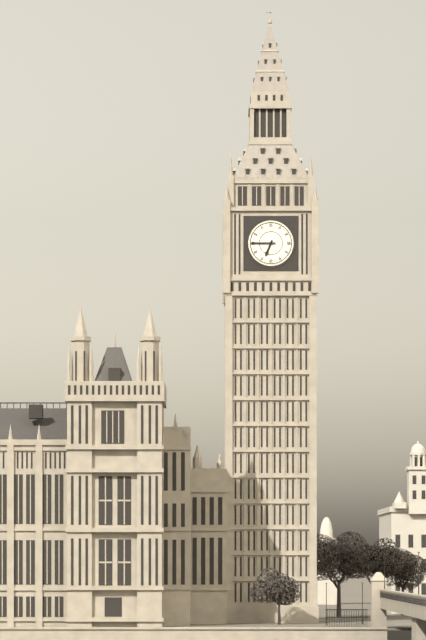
6:45
